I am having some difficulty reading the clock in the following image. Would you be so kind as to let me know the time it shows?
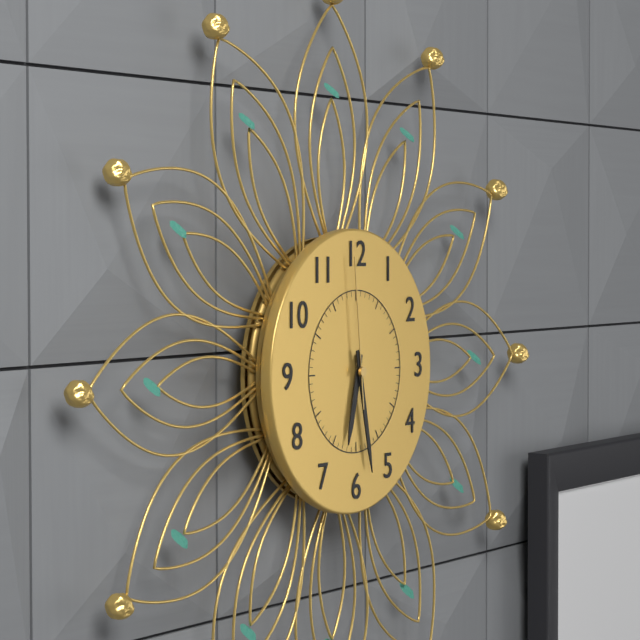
6:28:59
